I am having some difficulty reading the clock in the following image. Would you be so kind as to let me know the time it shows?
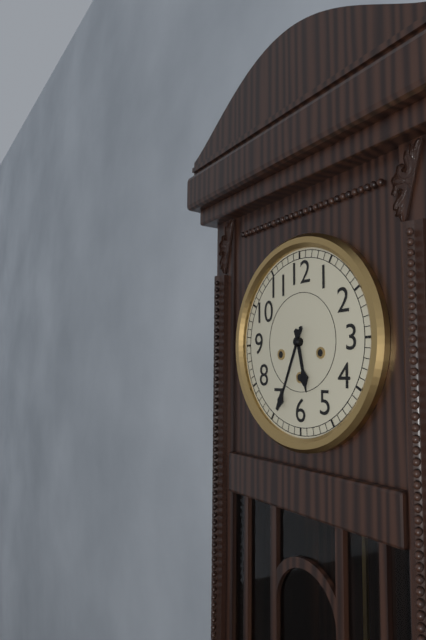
5:34
